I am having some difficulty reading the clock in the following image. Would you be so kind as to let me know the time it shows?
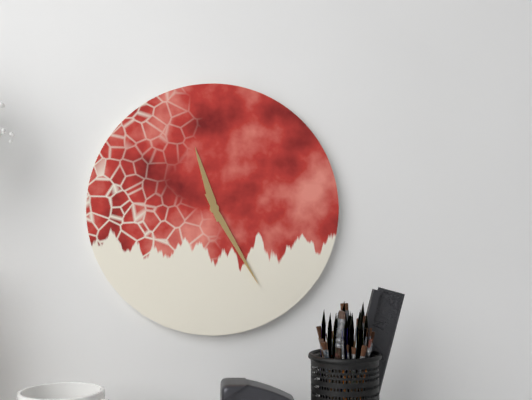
11:25
